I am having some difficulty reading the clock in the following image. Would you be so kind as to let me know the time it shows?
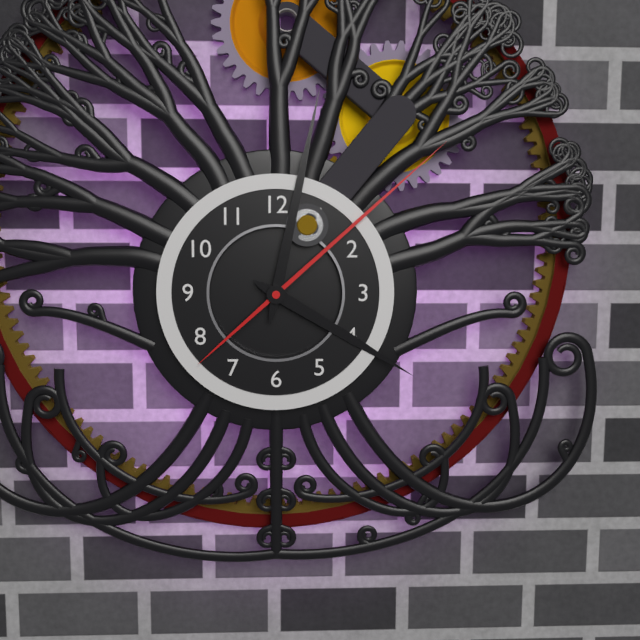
4:02:08
